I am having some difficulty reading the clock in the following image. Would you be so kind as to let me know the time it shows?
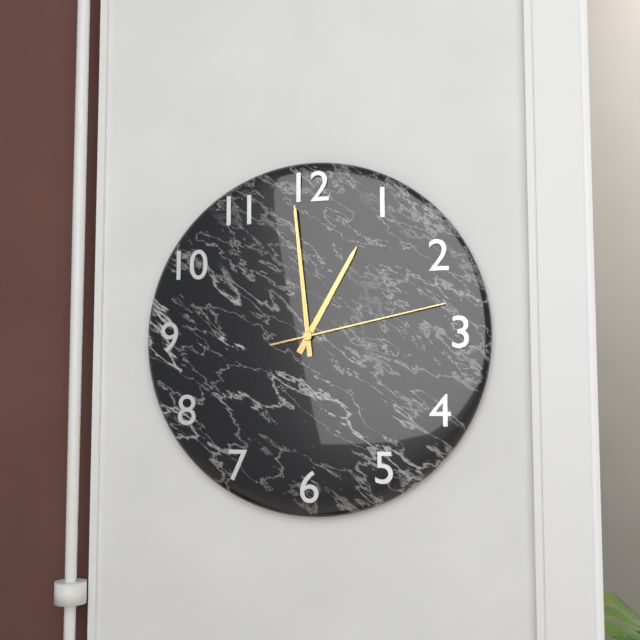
12:59:13
